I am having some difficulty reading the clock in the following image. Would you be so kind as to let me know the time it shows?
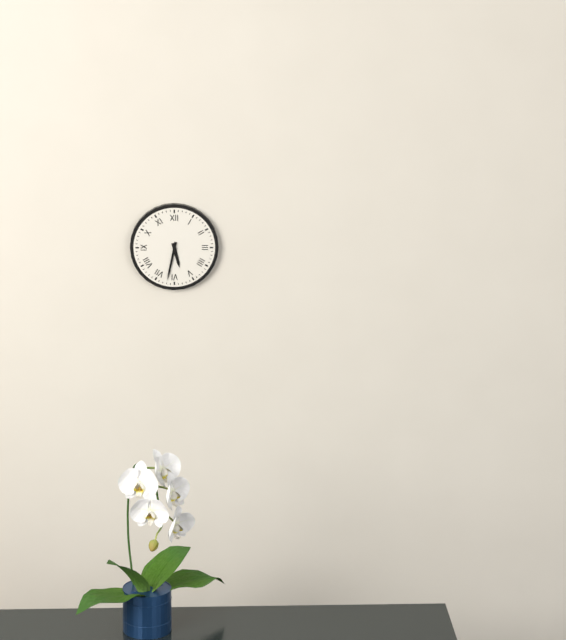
5:32
